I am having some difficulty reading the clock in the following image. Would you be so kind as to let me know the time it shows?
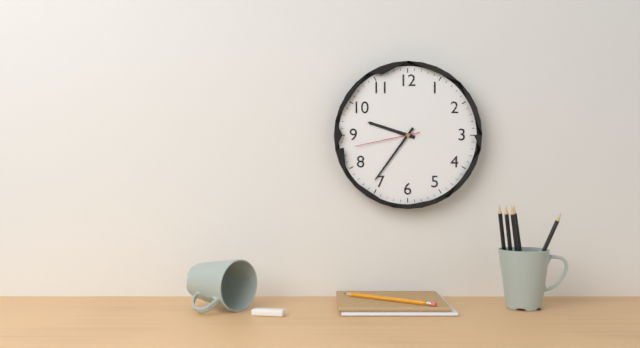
9:36:43
